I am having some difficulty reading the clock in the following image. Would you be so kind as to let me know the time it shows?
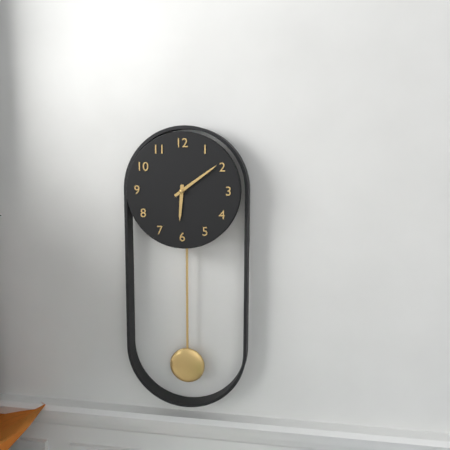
6:09
